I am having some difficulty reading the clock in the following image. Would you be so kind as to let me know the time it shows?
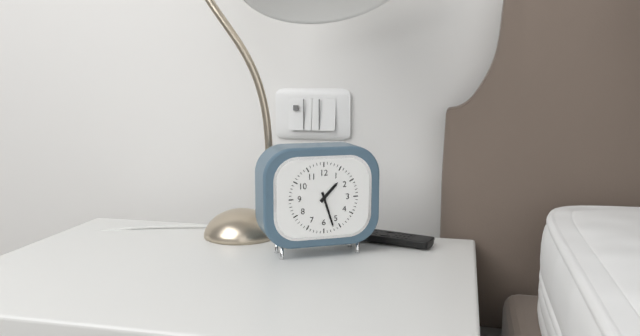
1:27
